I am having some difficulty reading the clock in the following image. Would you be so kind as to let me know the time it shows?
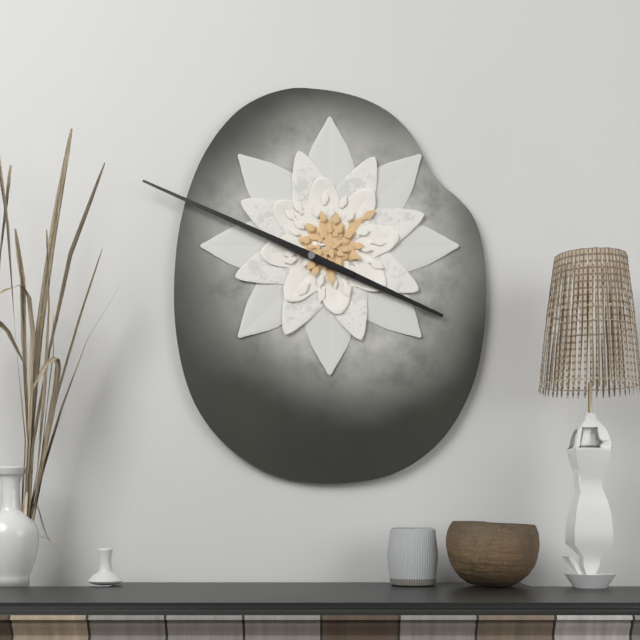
3:49
